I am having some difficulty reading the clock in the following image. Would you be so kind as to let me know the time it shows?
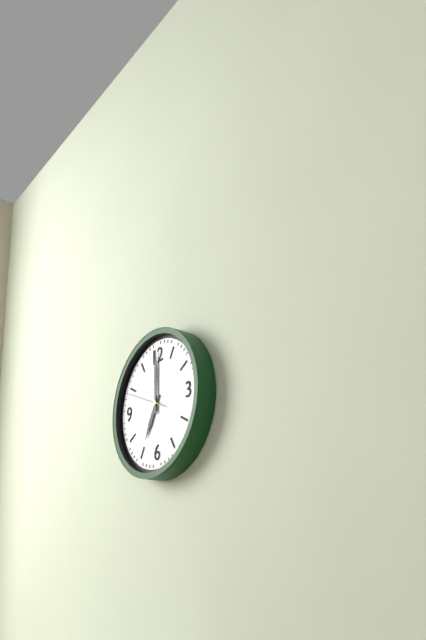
7:00
